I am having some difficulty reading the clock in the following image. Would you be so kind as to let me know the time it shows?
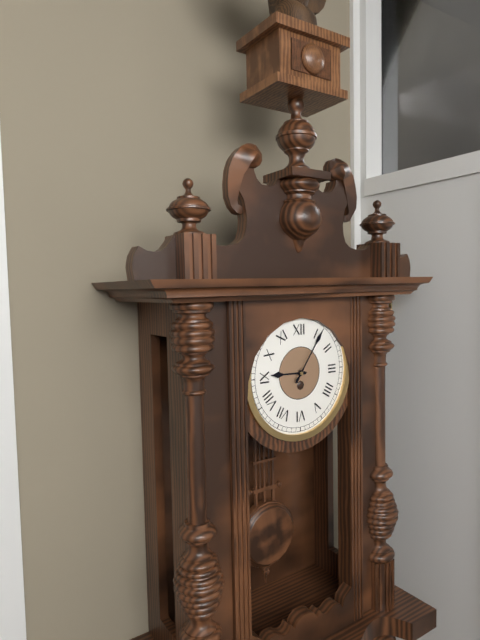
9:06
